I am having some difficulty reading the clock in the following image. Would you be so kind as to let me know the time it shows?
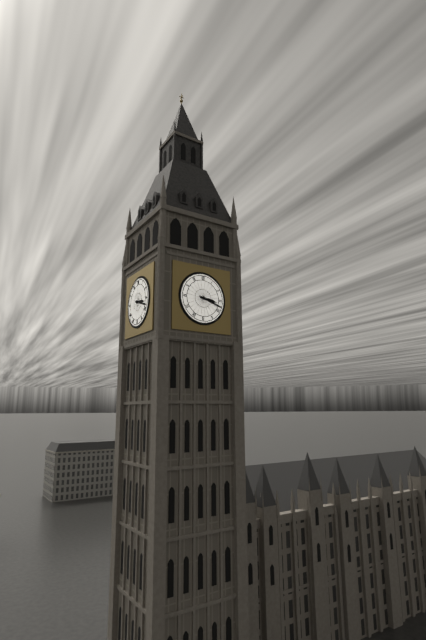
3:18
